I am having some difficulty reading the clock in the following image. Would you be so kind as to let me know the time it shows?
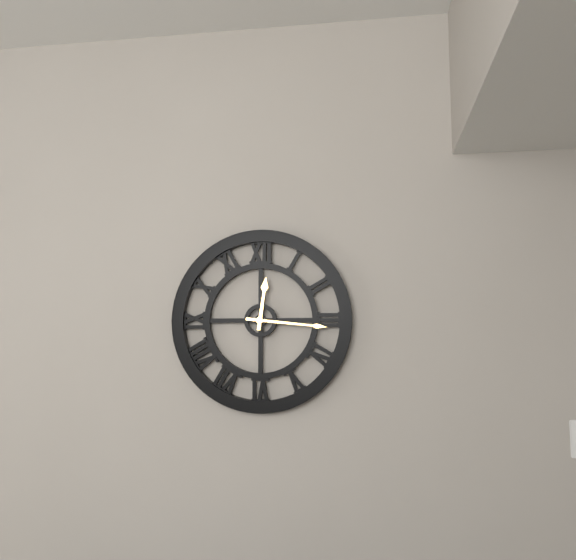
12:16
